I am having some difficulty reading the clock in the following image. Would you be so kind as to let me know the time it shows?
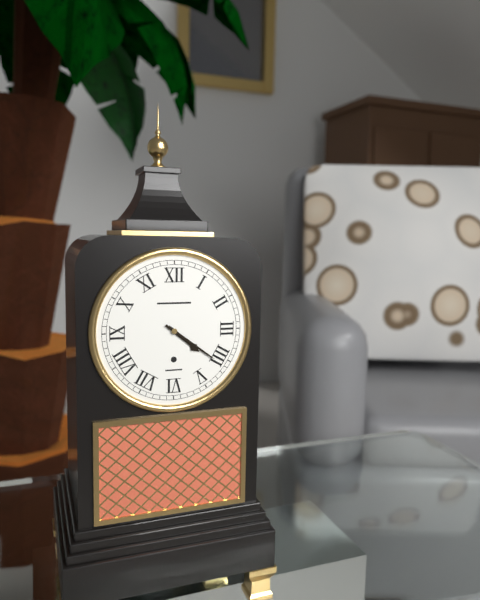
4:21
